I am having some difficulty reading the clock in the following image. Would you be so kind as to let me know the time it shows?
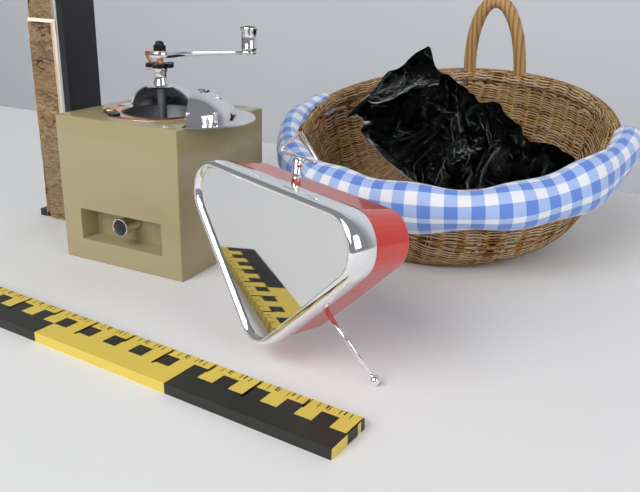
11:38:55
